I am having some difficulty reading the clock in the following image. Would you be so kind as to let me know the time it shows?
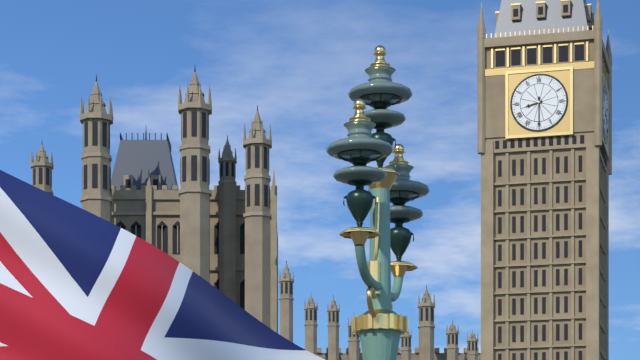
8:30
